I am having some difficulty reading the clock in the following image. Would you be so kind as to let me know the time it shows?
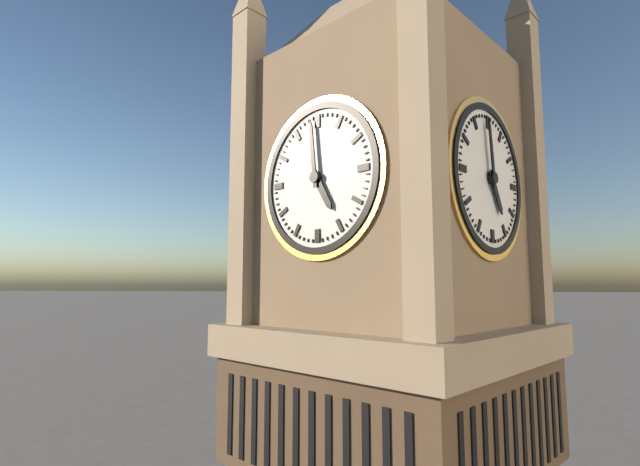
4:59
